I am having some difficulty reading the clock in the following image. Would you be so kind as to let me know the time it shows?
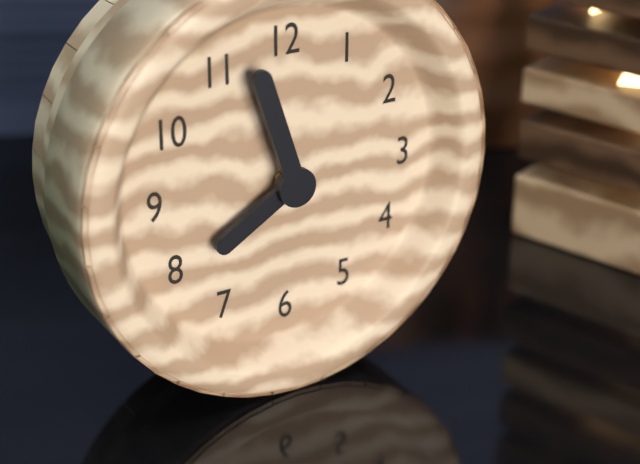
7:57
